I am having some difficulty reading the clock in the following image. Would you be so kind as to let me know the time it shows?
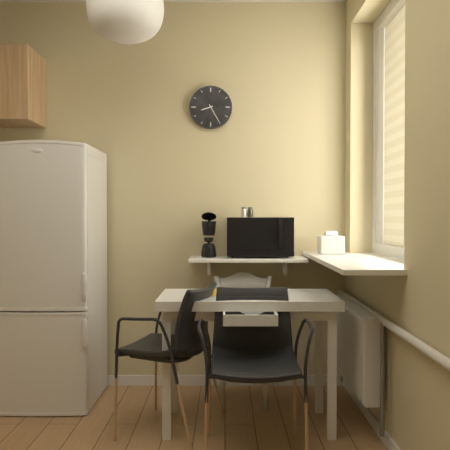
8:25
